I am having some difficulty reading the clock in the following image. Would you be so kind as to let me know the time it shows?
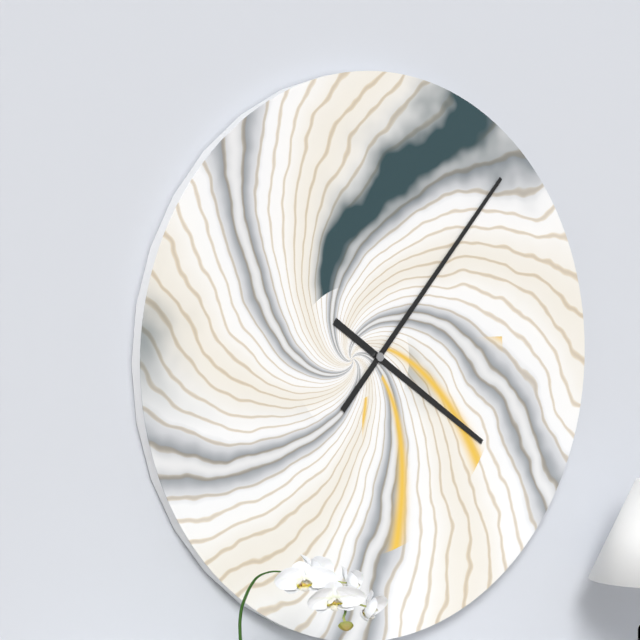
4:07
